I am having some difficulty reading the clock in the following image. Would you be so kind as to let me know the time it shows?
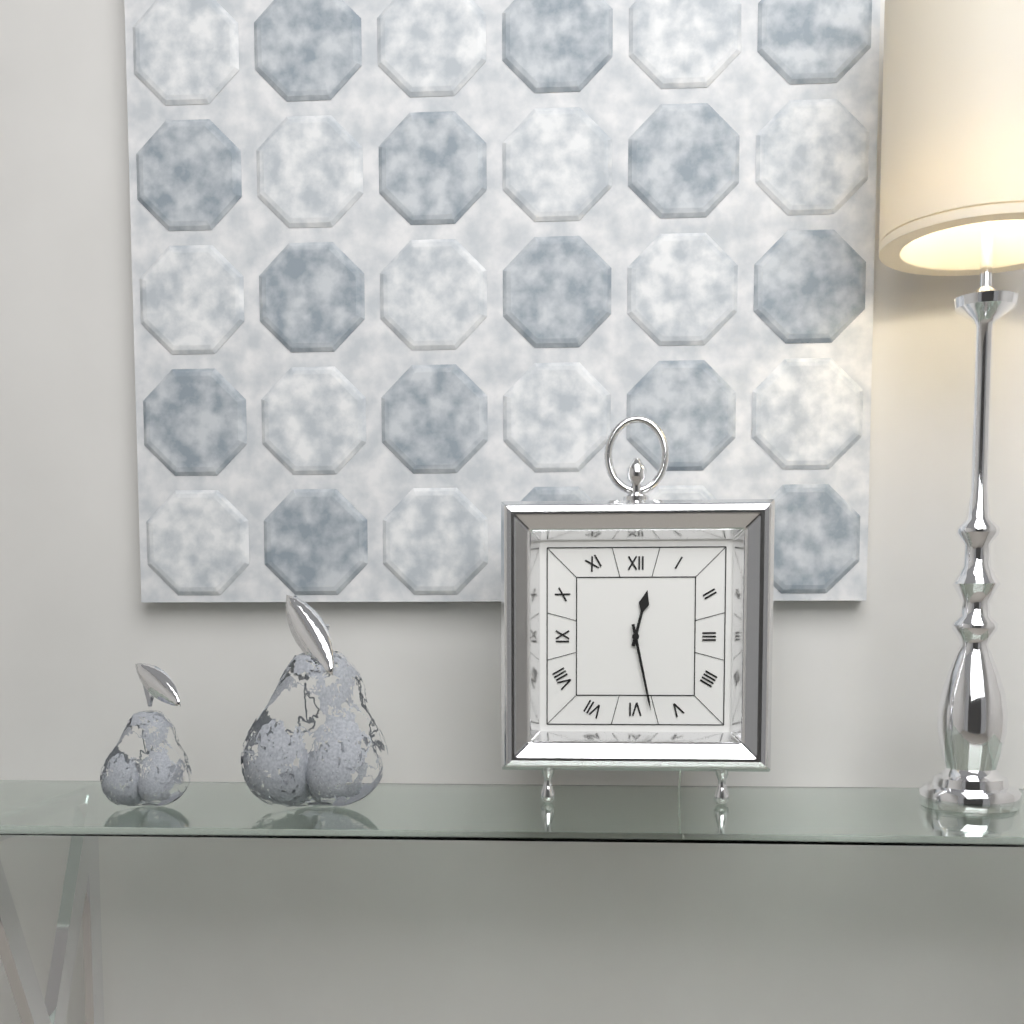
12:28
